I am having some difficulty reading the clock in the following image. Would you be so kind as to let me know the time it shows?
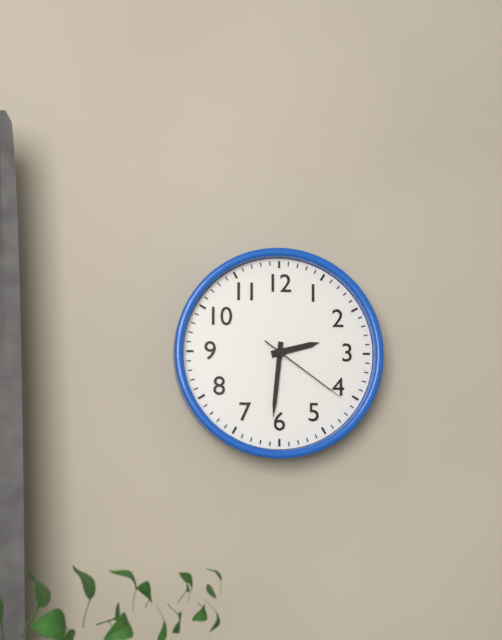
2:31:21
